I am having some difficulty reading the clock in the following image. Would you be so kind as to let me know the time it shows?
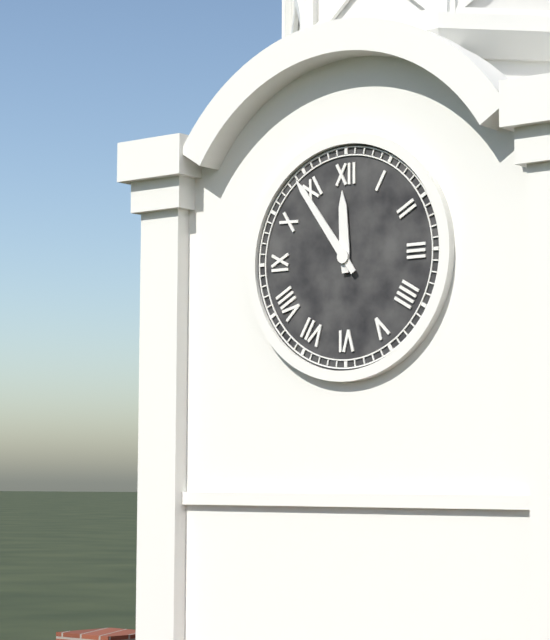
11:54
